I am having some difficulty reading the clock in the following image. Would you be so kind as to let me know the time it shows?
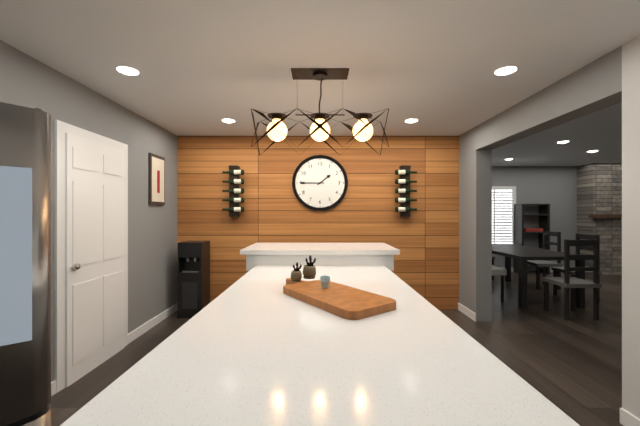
1:45
